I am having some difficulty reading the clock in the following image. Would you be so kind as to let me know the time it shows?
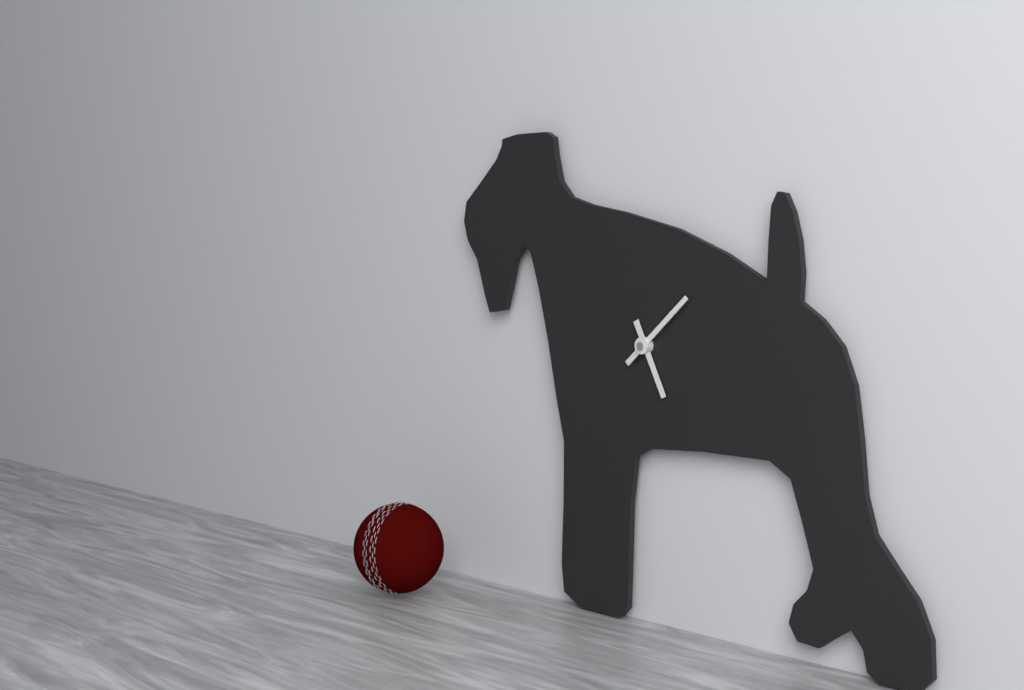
5:08
